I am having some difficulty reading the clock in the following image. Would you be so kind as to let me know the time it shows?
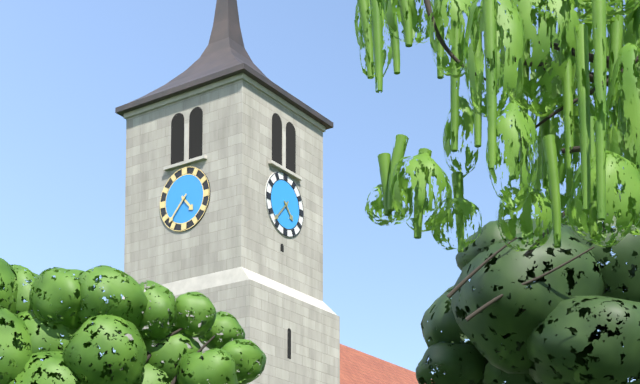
4:37
